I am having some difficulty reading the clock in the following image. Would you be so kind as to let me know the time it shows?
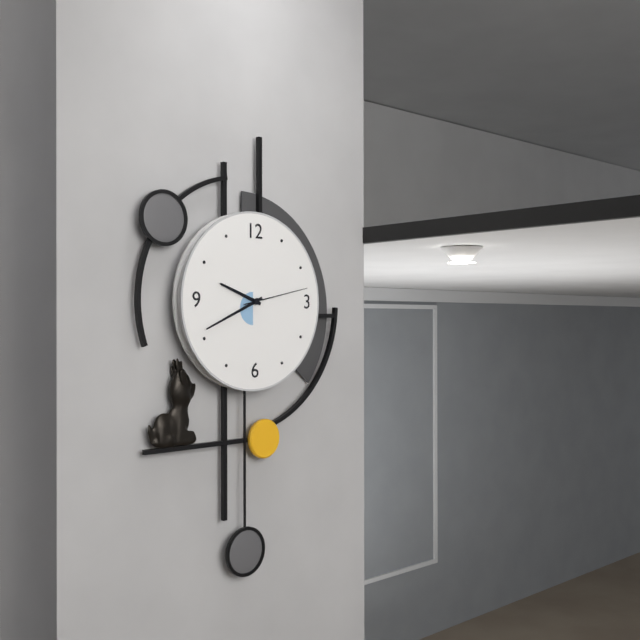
9:41:13
